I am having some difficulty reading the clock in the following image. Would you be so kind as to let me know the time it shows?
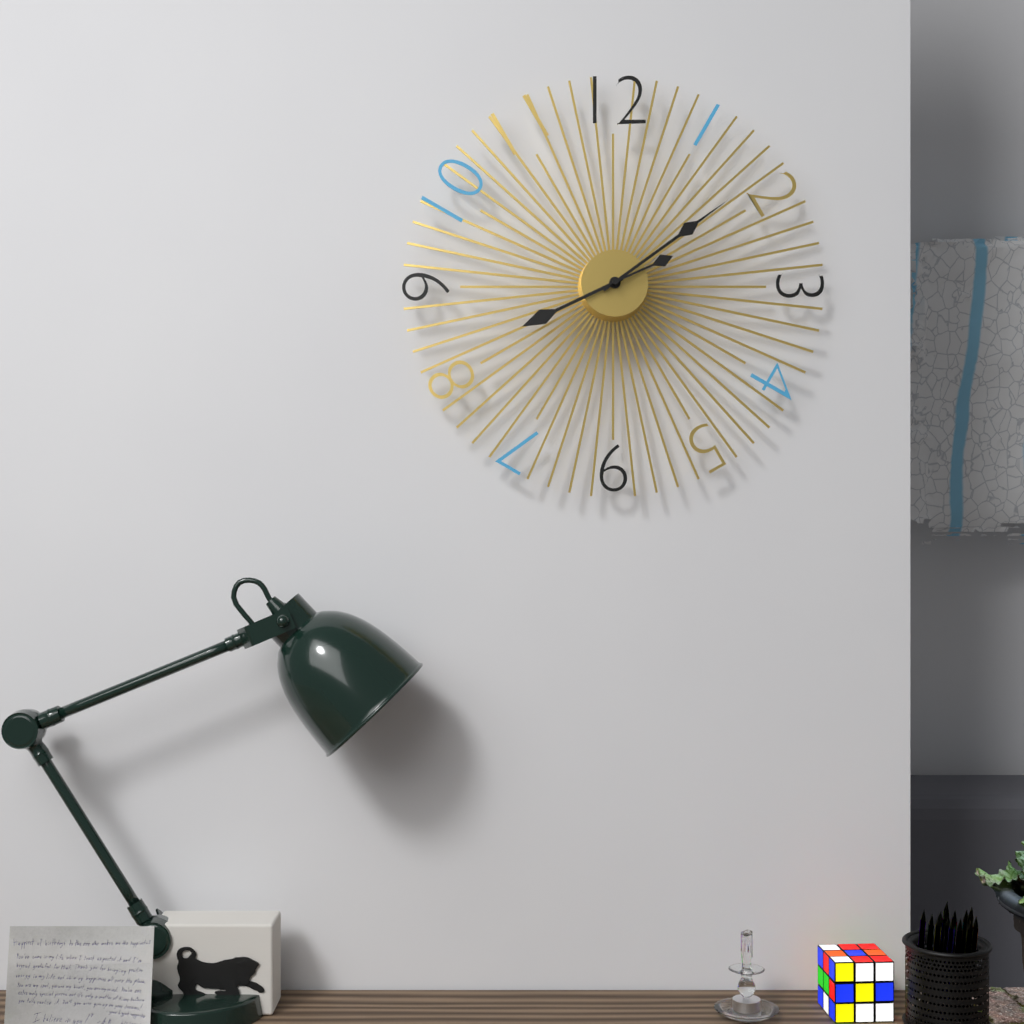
8:09:11
